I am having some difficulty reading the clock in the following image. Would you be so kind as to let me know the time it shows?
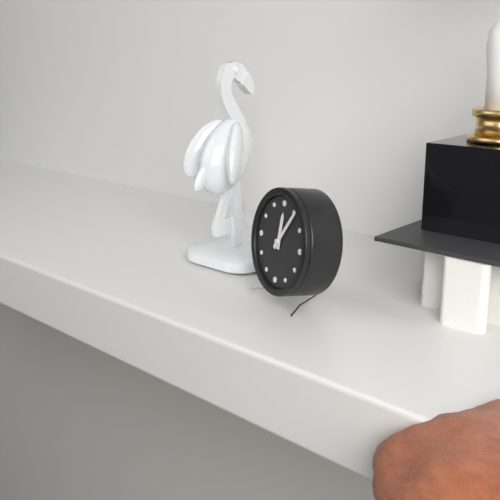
12:06
